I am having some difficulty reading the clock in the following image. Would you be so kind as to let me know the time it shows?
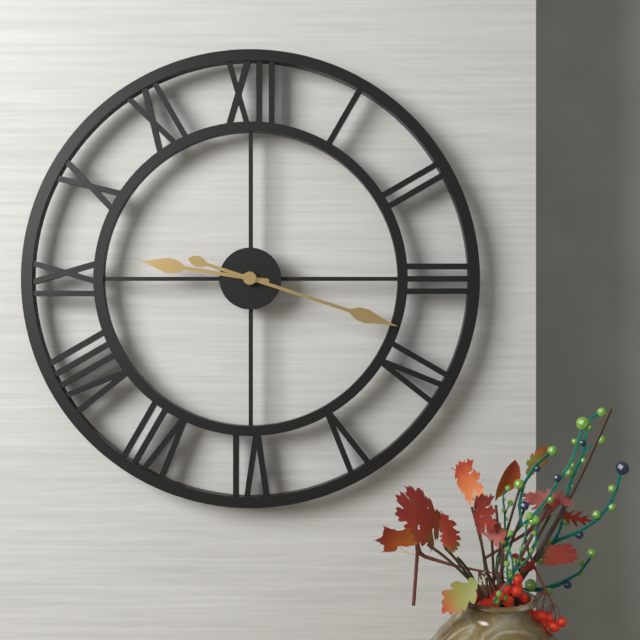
9:18
